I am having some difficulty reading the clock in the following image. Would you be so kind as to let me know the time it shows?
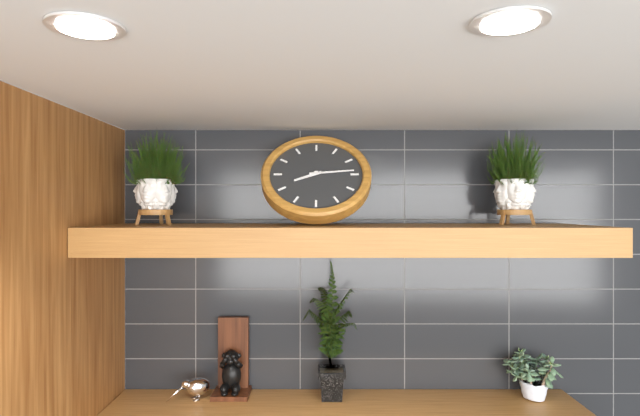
8:14
